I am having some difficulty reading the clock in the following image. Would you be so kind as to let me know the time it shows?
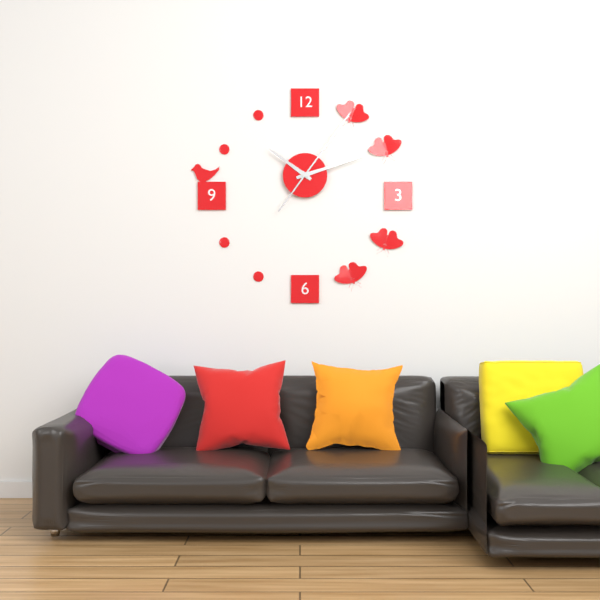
10:12:06
